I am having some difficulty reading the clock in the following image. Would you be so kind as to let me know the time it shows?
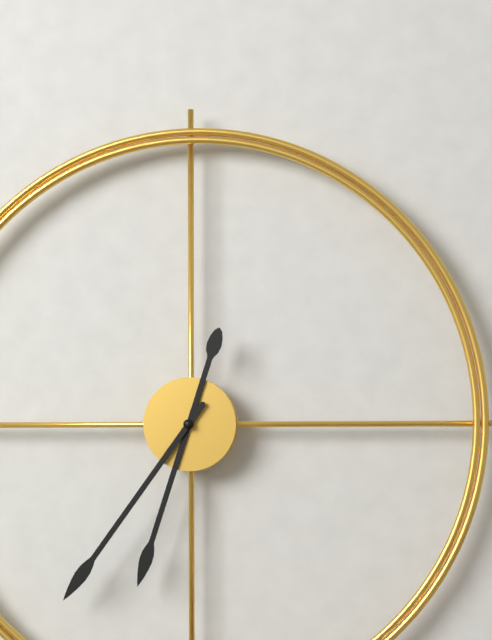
6:36
